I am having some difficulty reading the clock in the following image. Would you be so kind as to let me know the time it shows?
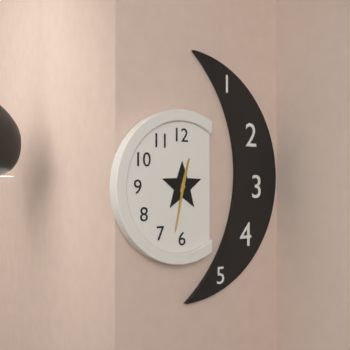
12:32
